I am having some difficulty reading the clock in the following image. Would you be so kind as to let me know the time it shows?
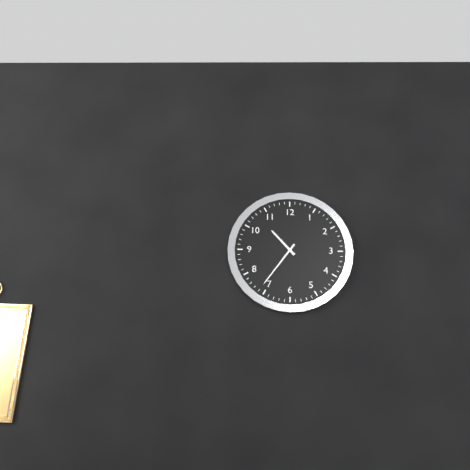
10:36
